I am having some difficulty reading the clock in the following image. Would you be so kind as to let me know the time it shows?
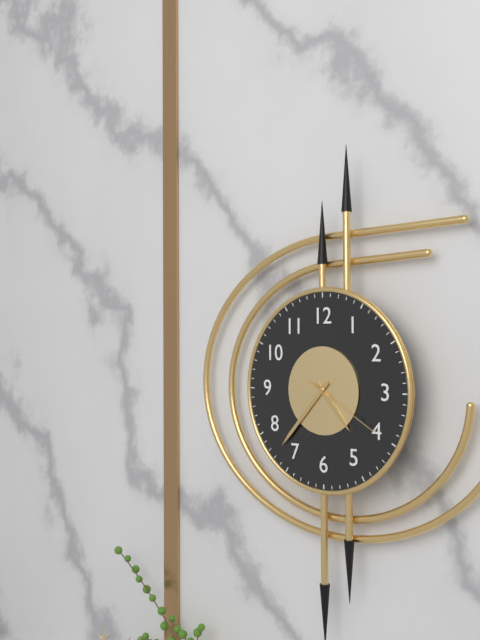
4:37:20
